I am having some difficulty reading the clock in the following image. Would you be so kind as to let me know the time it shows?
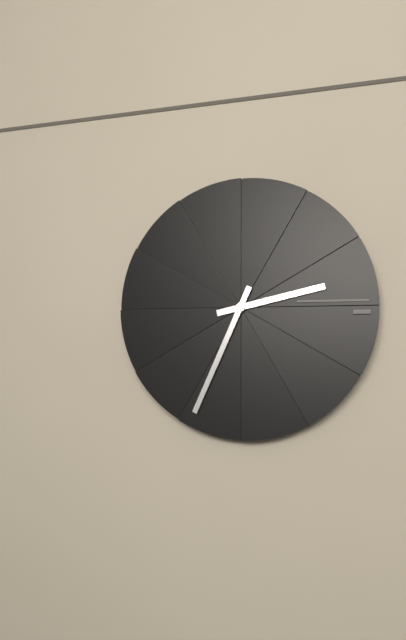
2:34
